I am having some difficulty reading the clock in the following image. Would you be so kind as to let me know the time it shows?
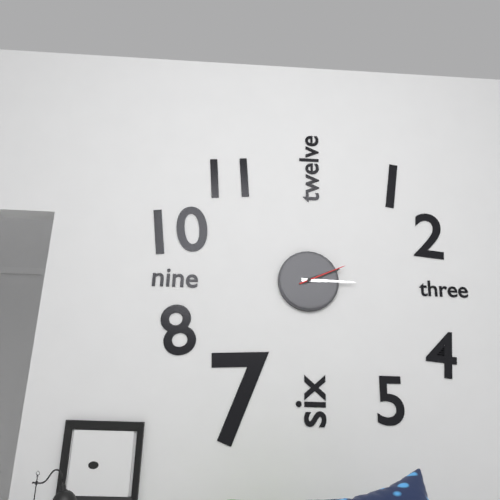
2:15
